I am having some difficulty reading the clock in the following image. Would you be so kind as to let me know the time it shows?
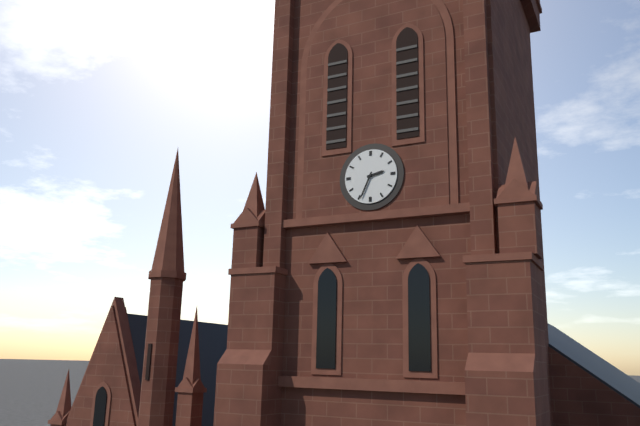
2:34
